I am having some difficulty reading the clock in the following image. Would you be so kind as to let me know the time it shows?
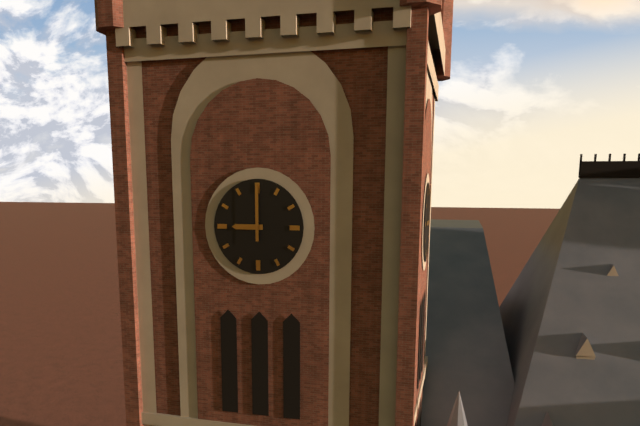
9:00
